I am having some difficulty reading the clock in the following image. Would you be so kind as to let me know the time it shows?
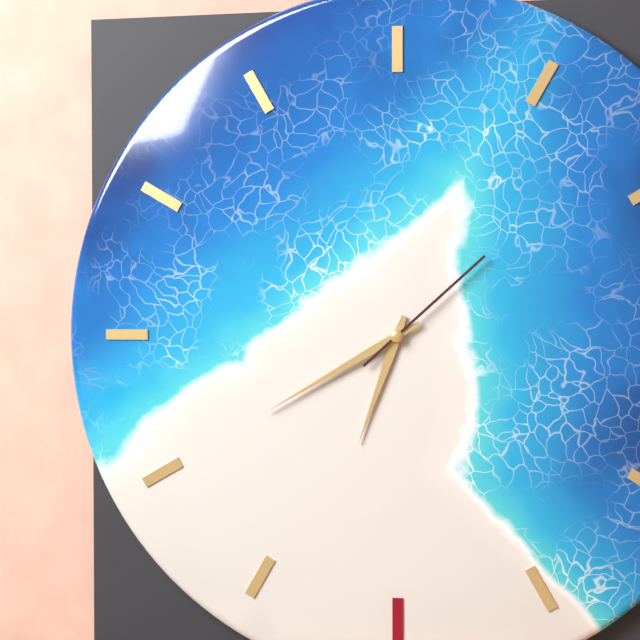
6:40:08
